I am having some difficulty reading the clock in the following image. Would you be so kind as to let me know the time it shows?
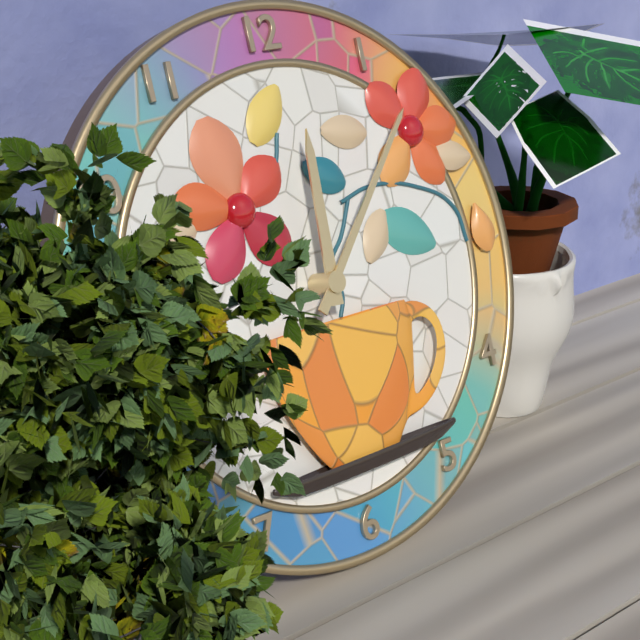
12:07
